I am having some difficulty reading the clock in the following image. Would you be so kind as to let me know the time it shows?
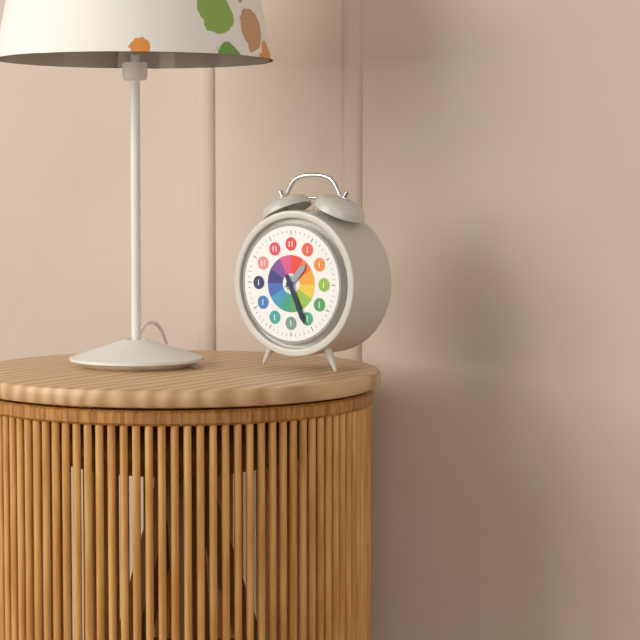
1:26
